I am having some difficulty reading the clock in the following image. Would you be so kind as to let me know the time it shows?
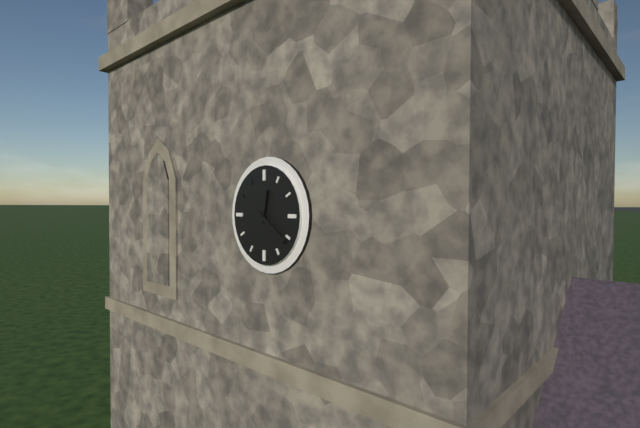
12:21
